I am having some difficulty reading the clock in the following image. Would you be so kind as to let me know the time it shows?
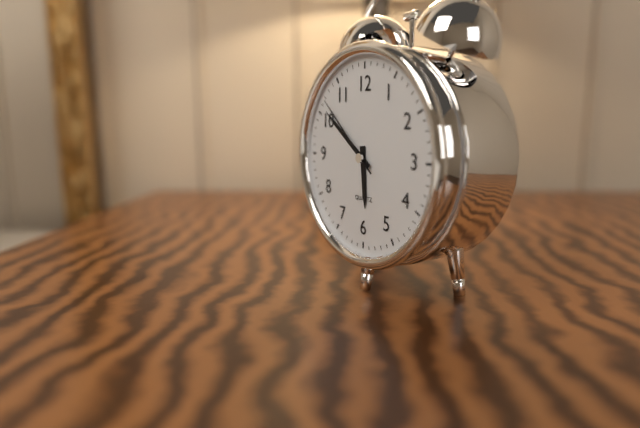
5:51:52
